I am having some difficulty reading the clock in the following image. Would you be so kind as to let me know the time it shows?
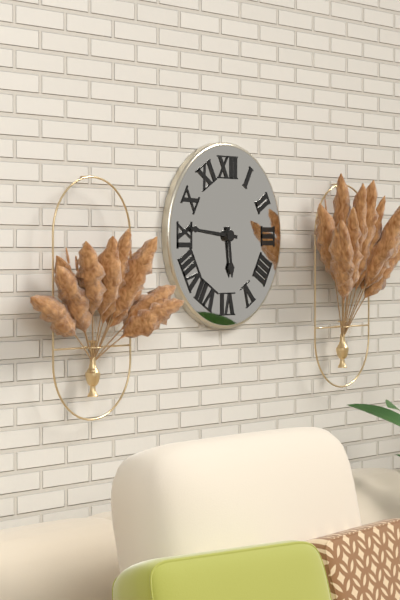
5:46
